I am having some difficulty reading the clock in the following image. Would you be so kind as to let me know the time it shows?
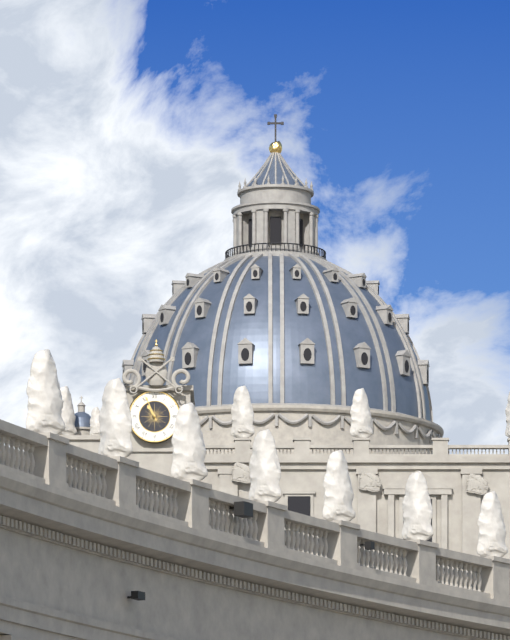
10:56
